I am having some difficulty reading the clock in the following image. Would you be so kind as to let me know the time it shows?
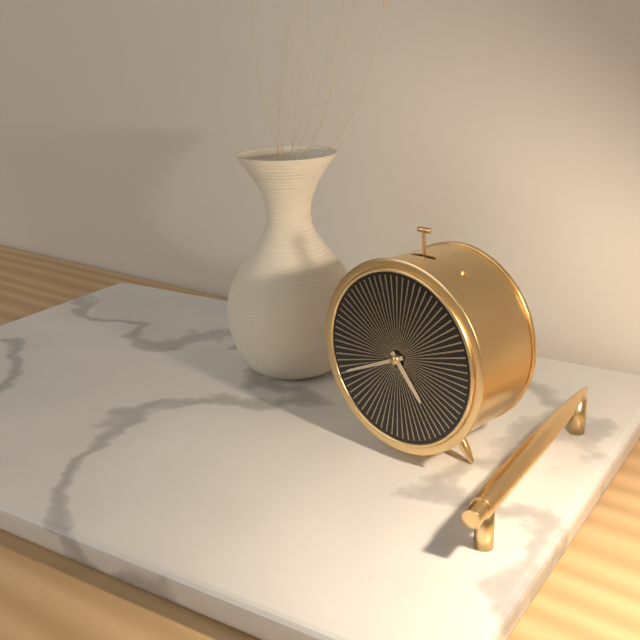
4:41
